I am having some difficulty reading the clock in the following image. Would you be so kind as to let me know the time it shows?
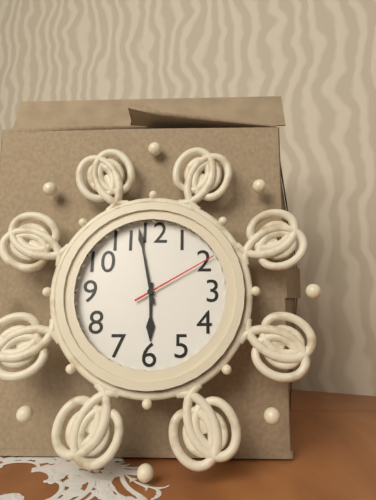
5:58:10
